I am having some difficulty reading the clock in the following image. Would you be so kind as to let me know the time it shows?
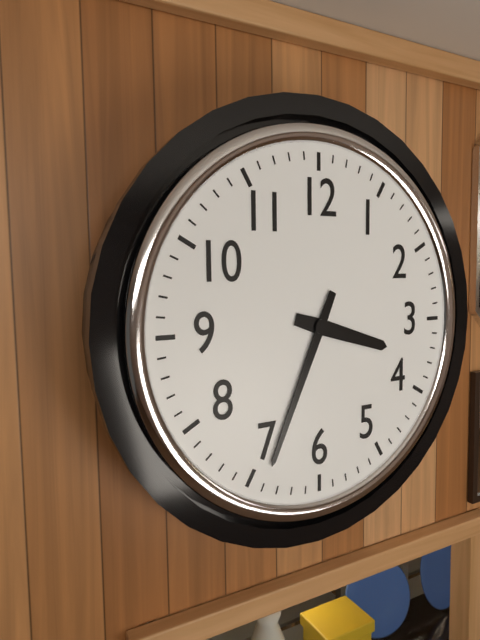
3:34
